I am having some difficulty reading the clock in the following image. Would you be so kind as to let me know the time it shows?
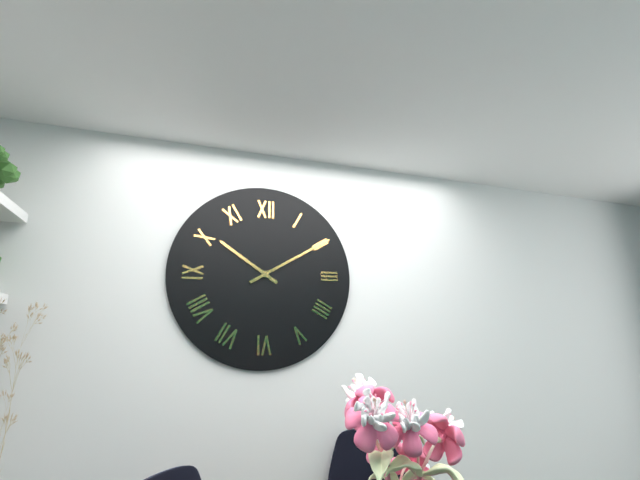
10:10
